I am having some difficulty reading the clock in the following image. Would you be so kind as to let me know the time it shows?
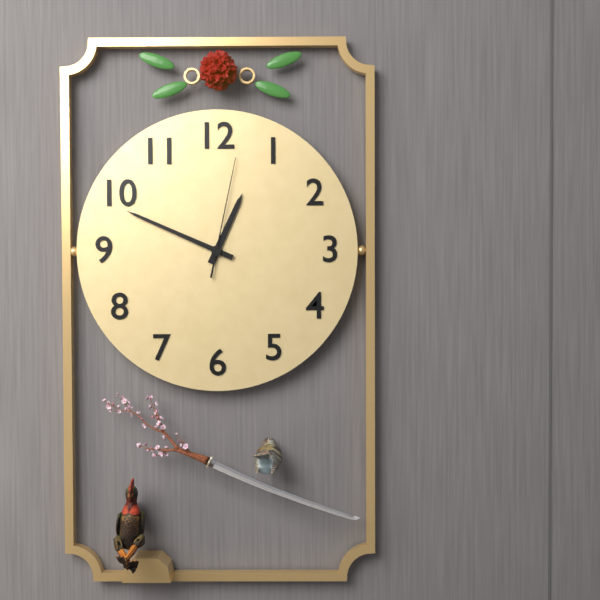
12:49:02
